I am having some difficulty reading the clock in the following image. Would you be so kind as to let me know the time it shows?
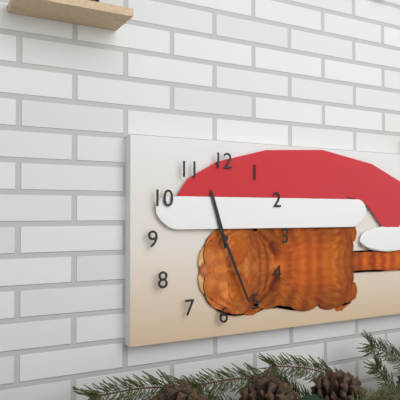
11:26
